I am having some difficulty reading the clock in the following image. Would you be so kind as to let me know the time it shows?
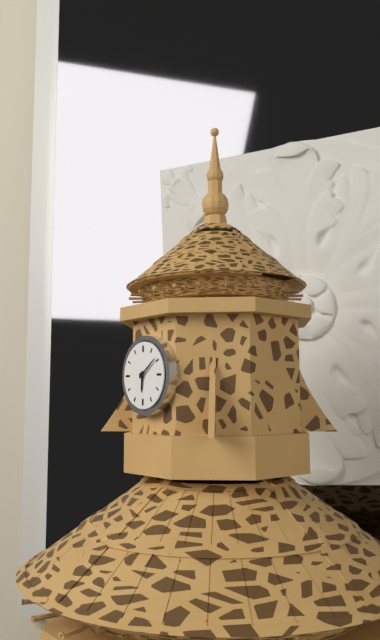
6:09
